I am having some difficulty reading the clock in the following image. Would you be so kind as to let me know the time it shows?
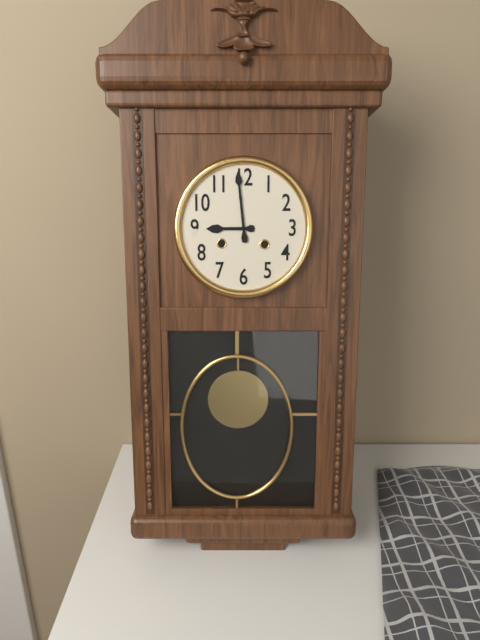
8:59
